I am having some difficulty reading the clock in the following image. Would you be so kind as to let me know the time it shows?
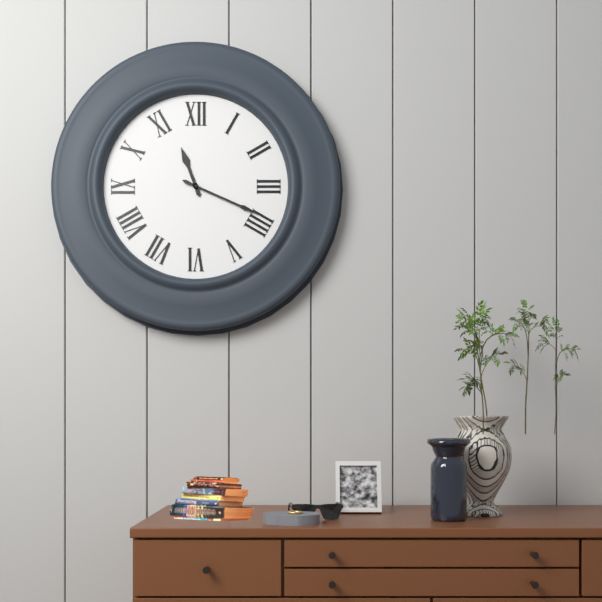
11:19
